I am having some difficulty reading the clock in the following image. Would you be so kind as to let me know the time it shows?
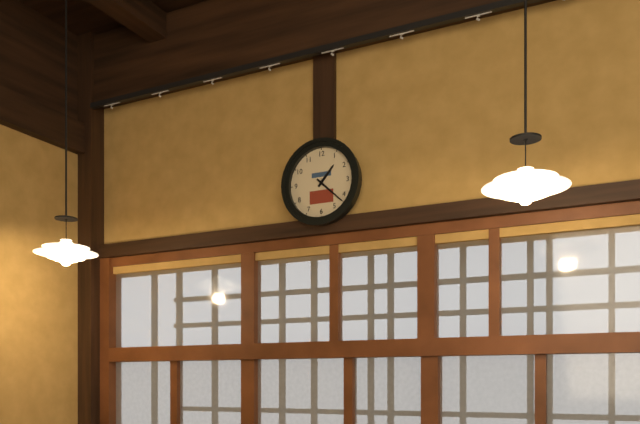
1:22
